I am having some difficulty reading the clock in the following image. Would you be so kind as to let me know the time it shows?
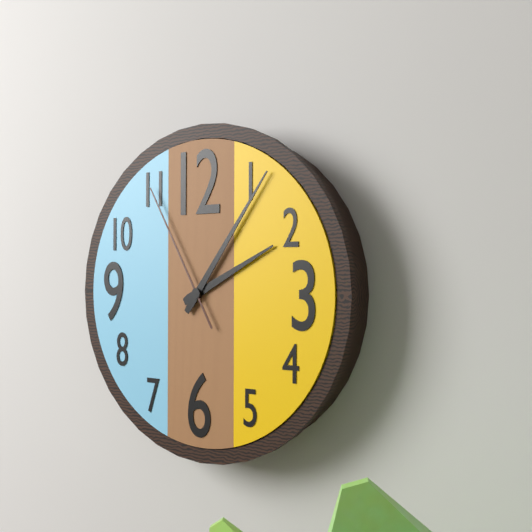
2:06:55
